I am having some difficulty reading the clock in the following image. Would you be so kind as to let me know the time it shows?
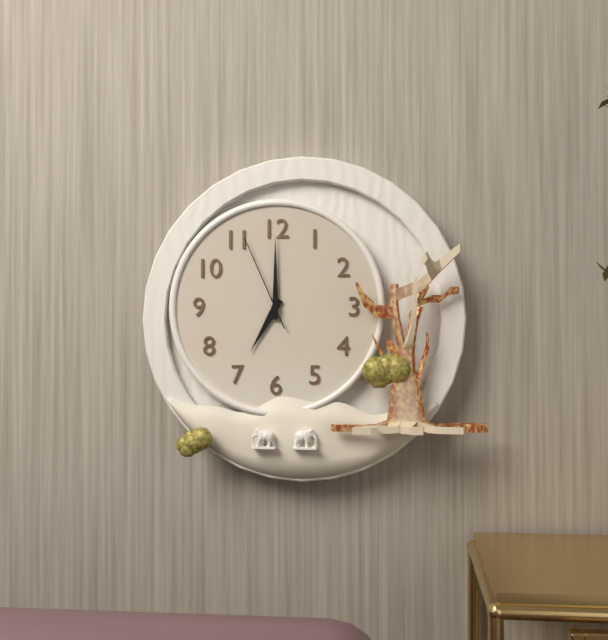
7:00:56
